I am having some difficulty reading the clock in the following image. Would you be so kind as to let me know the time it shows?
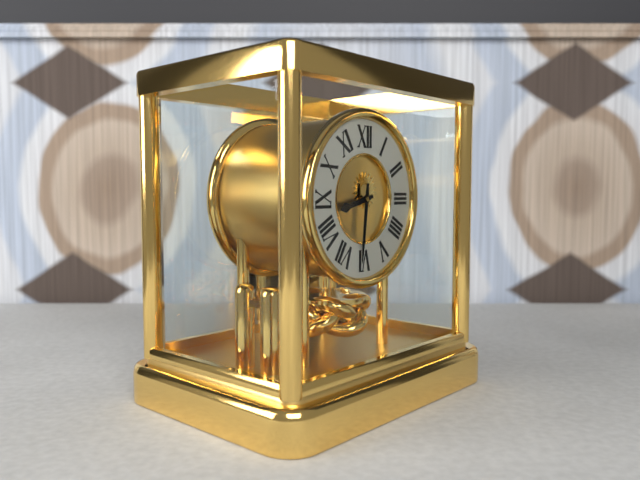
8:31
